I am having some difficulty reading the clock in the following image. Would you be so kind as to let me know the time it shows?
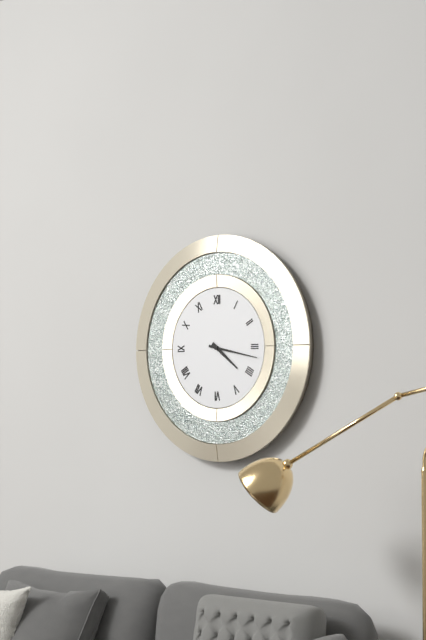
4:17
